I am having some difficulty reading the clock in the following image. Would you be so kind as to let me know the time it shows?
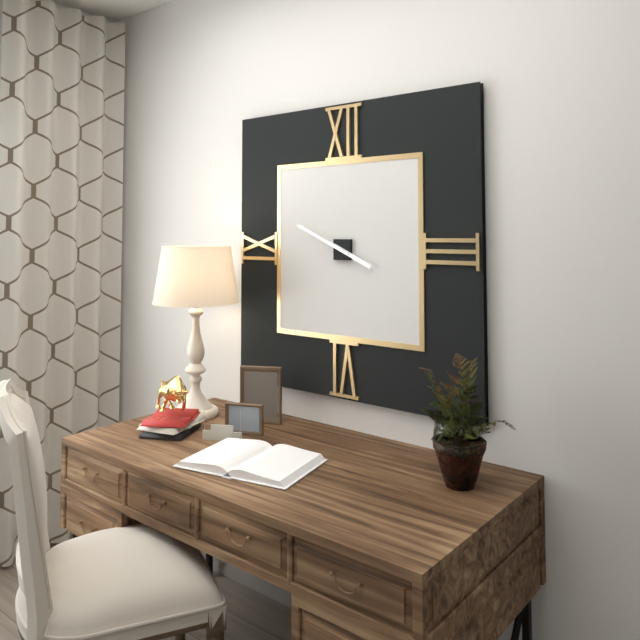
3:49
